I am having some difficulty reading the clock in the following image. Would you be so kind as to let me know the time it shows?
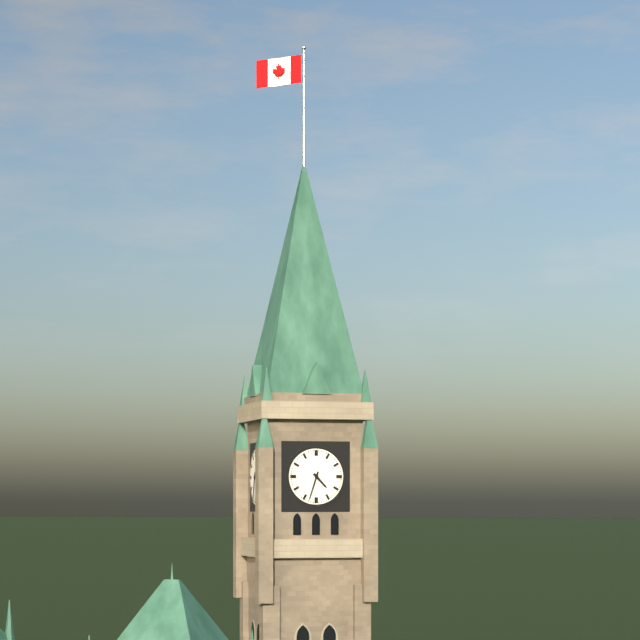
4:33
